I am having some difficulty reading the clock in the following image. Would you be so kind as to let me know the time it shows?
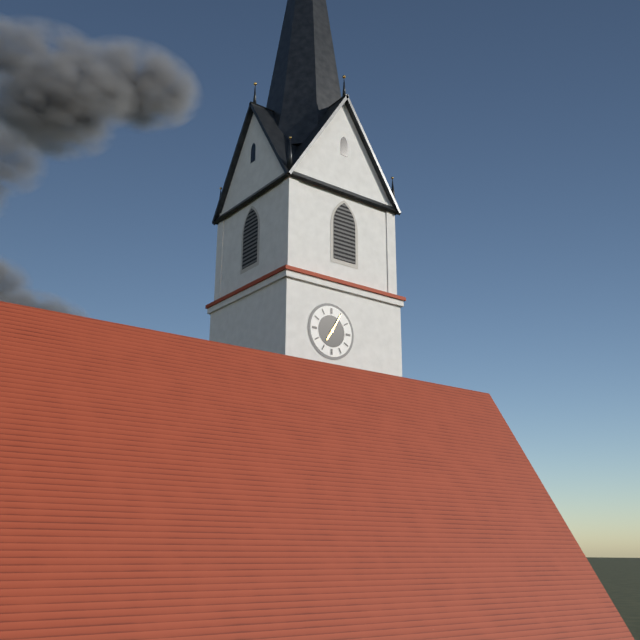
7:05
